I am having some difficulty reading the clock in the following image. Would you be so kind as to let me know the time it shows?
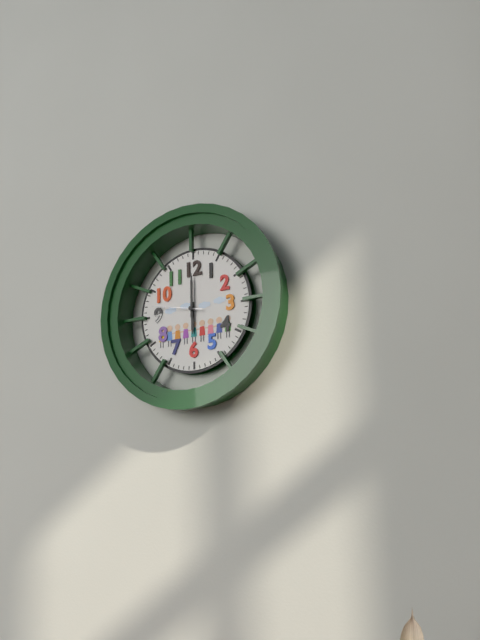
6:00
